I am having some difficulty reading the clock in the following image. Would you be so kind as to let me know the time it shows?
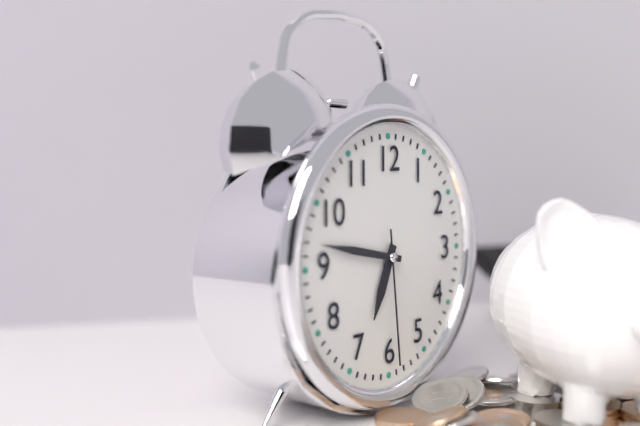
6:47:29
